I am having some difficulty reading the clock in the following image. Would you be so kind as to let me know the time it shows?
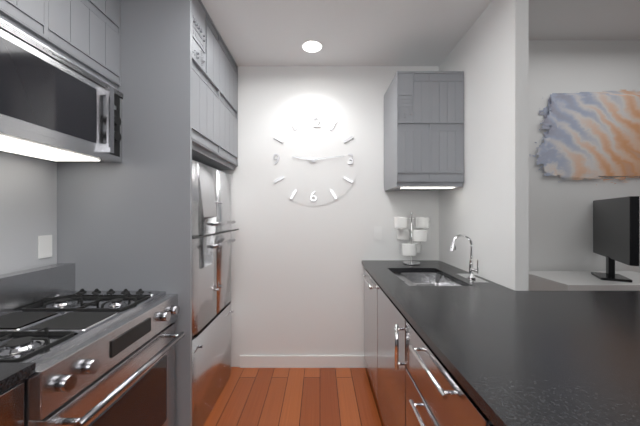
9:14
